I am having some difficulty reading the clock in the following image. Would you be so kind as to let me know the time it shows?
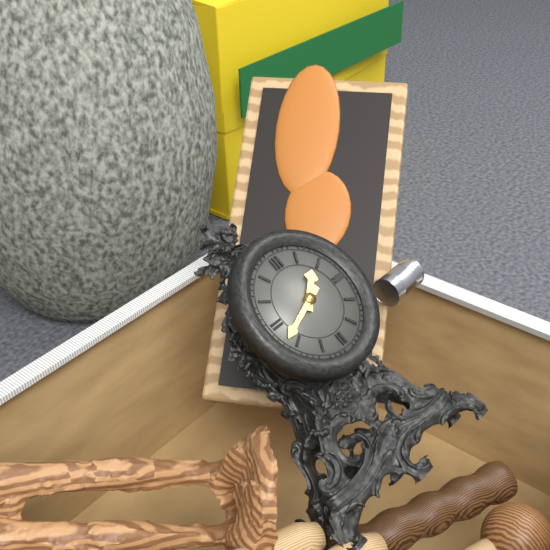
1:42
